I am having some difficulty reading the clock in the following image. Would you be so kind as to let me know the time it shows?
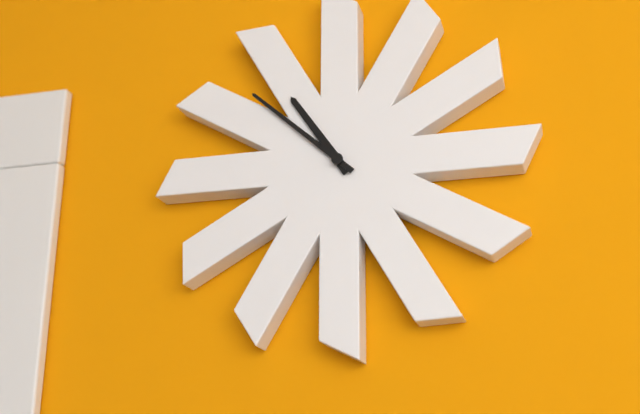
10:52
